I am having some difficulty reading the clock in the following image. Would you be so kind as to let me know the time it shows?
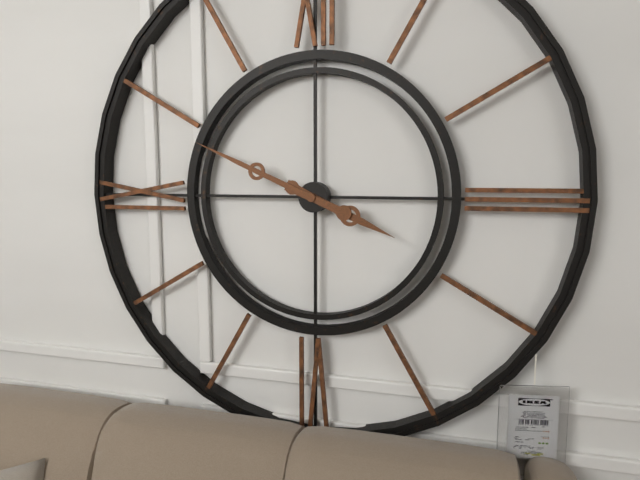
3:49
